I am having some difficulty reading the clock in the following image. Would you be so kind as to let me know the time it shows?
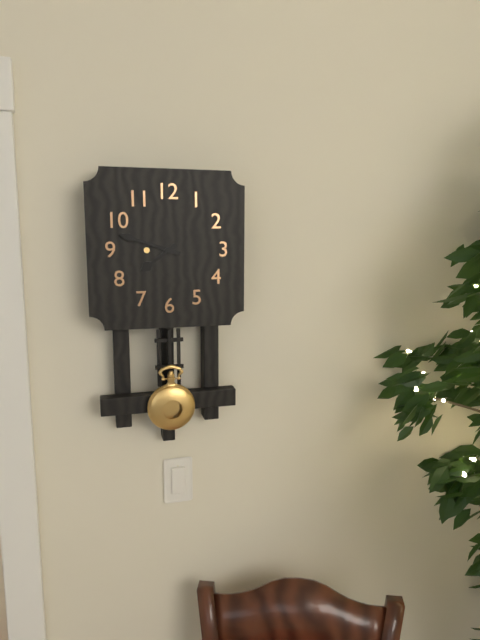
7:48
